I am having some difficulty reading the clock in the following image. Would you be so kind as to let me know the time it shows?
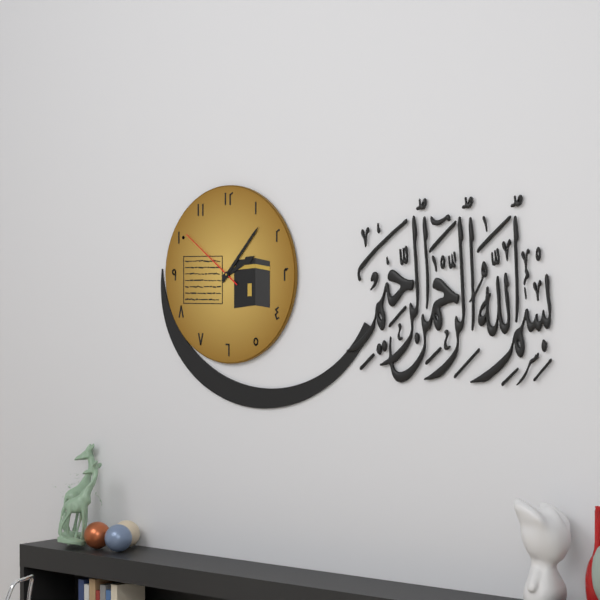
2:07:51
